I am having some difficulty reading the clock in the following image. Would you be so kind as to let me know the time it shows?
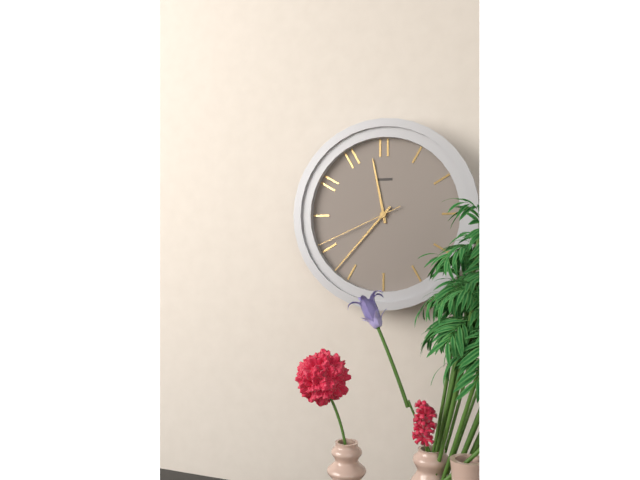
11:37:41
